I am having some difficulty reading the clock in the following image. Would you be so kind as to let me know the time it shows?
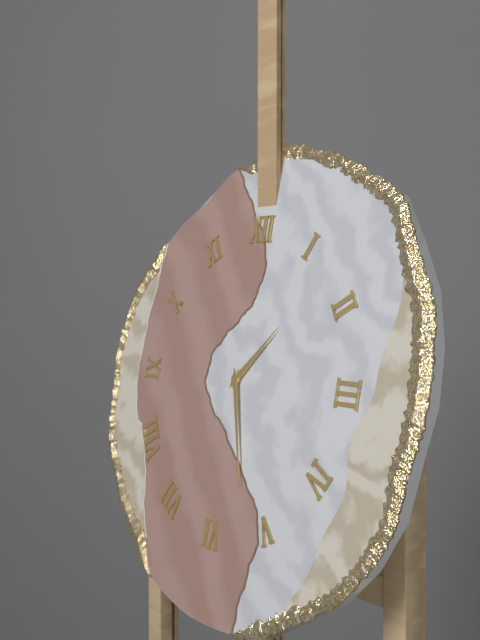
1:27
